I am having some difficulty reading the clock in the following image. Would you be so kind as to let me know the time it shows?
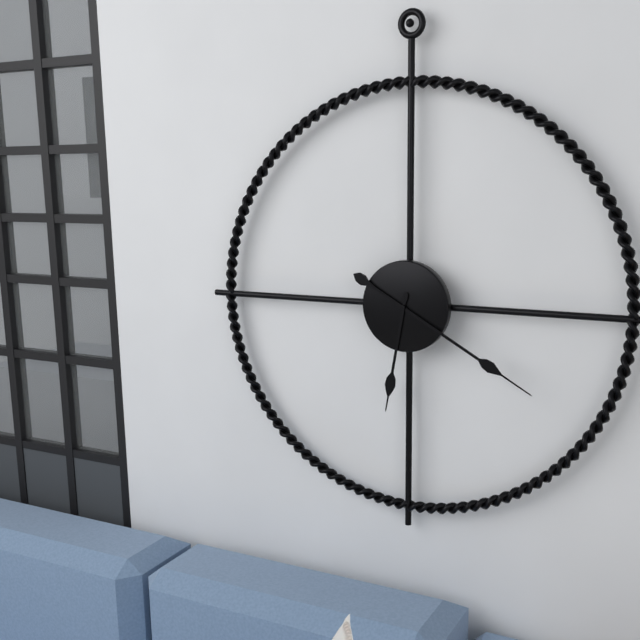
6:20
